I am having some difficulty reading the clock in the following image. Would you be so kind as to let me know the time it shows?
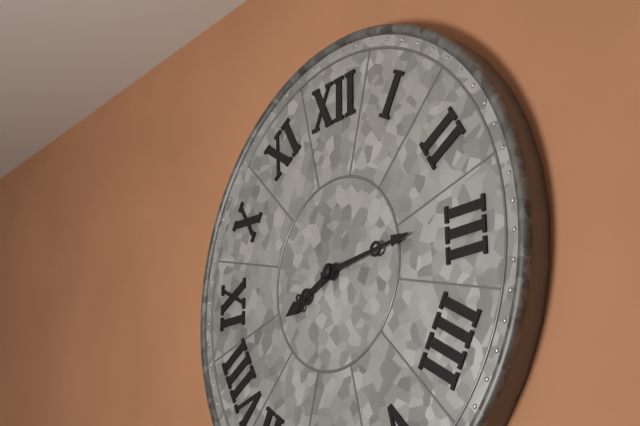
8:14
